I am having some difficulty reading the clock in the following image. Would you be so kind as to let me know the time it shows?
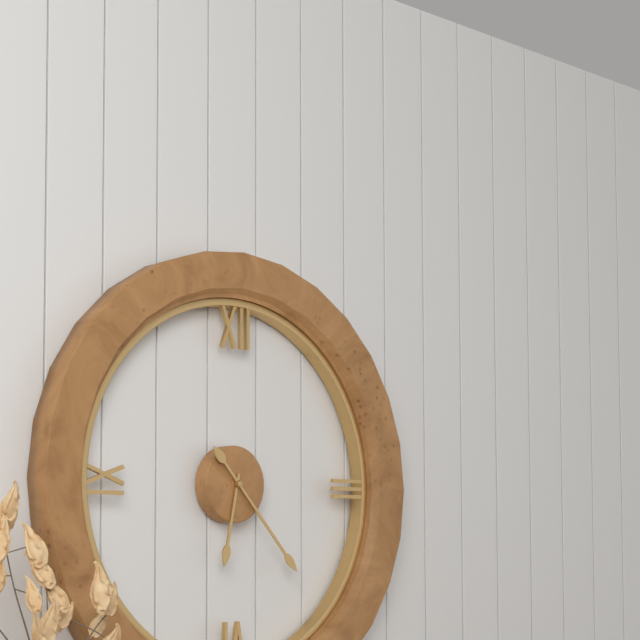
6:23
